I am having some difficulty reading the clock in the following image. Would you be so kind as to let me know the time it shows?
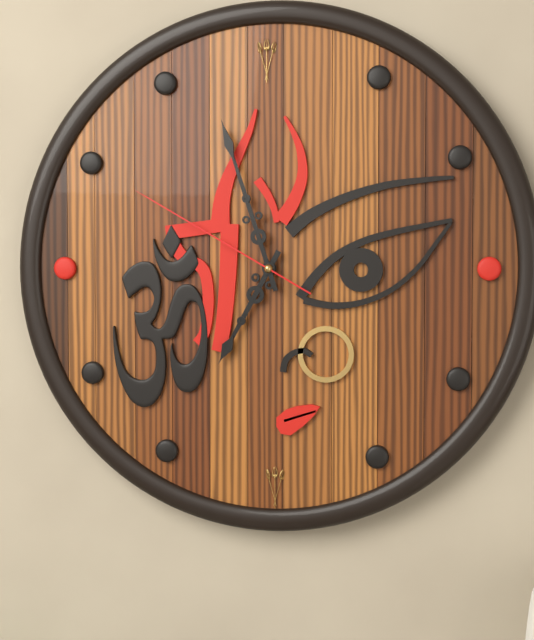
6:57:50
